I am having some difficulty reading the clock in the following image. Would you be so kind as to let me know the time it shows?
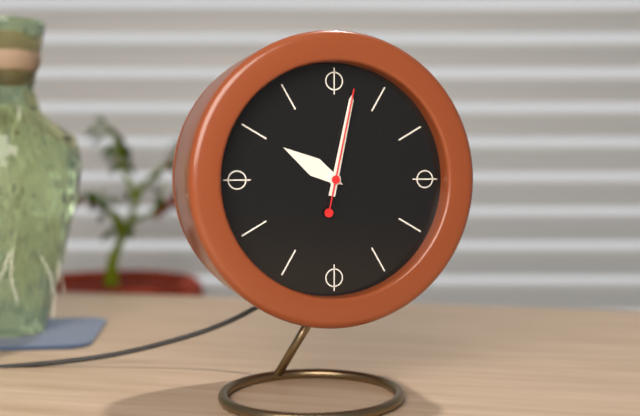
10:02:02
